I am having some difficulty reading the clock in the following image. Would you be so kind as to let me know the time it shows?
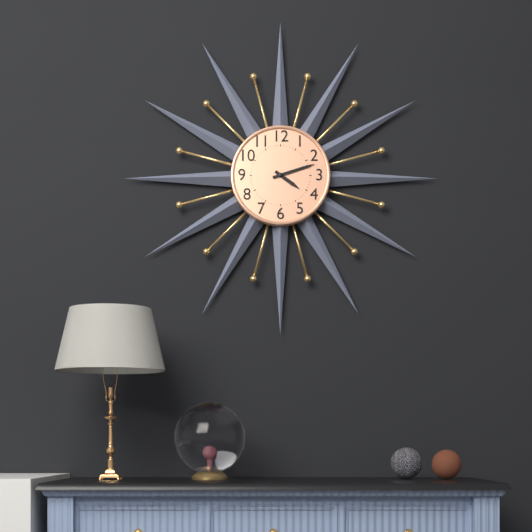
4:12
